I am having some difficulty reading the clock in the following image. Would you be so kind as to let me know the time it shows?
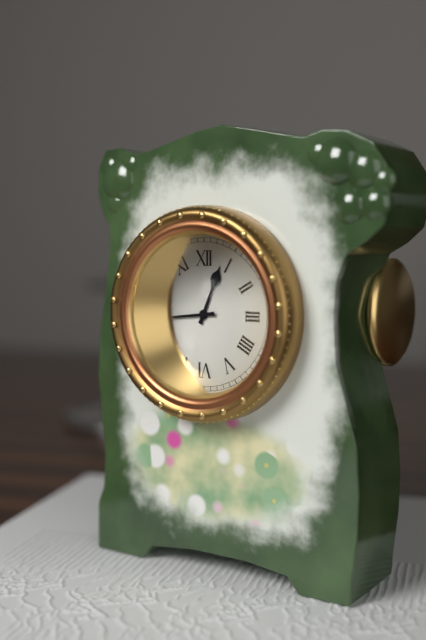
12:44
